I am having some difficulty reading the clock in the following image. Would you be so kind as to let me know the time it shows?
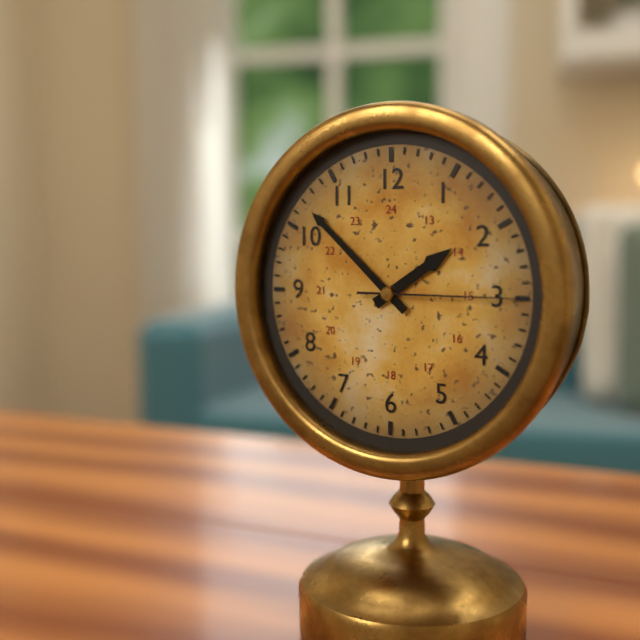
1:52:15
